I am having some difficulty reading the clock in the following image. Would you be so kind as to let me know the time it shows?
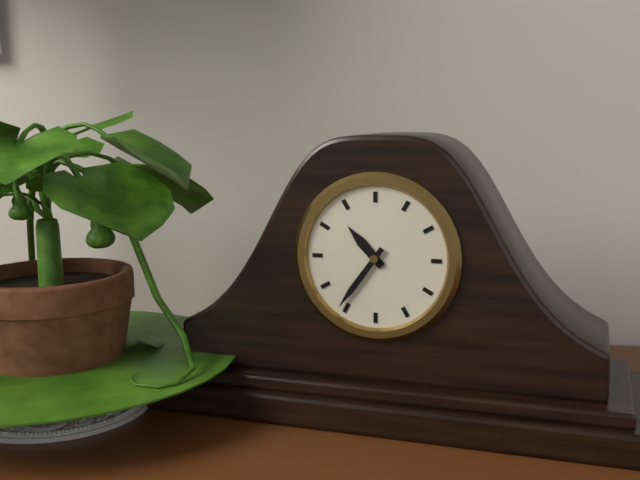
10:36
